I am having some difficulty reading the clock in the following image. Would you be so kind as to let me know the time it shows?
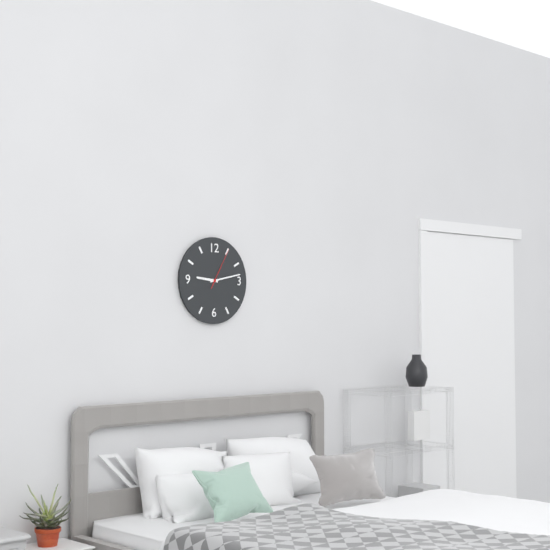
9:13
